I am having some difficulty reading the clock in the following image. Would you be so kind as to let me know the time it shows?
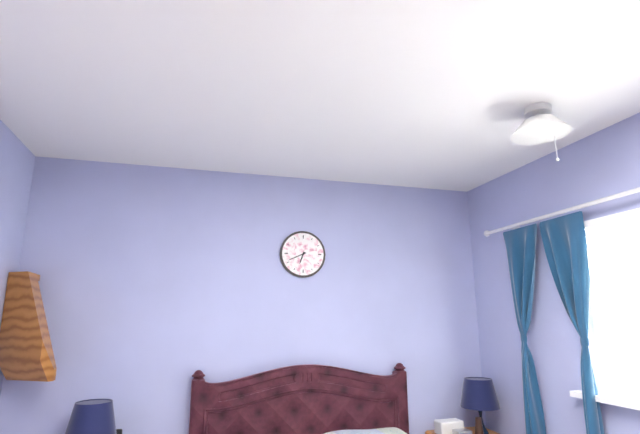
6:41
